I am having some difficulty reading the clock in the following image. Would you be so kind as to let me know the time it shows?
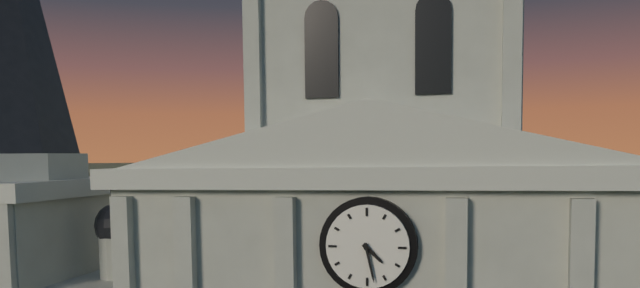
4:28
